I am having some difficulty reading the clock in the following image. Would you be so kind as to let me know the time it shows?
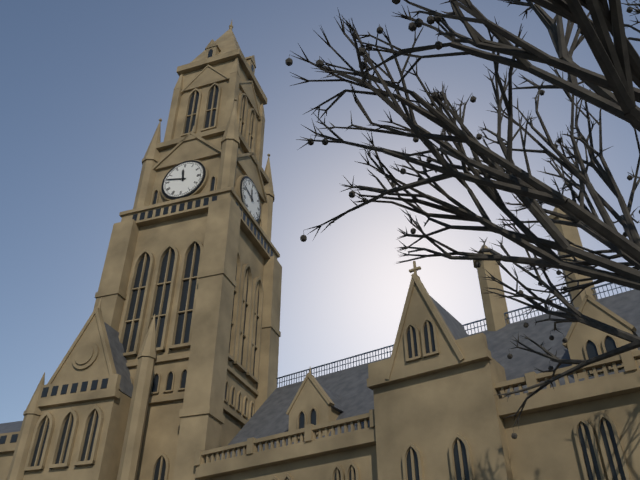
11:47
